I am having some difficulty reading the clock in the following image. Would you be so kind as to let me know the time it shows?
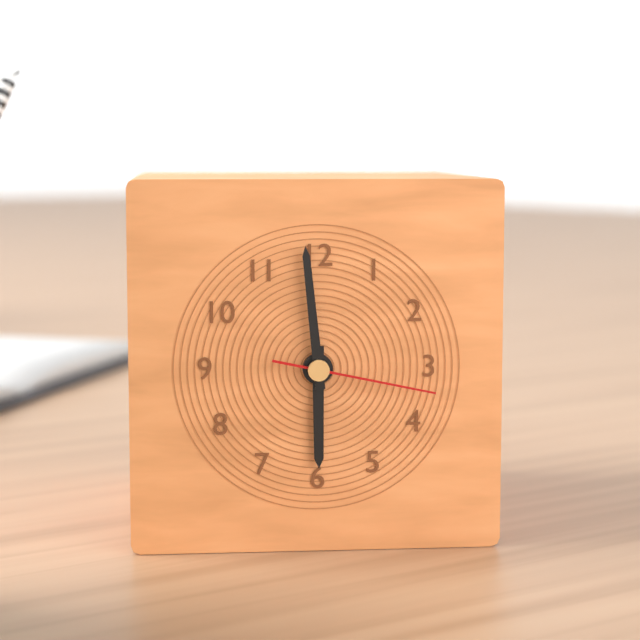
5:59:17
